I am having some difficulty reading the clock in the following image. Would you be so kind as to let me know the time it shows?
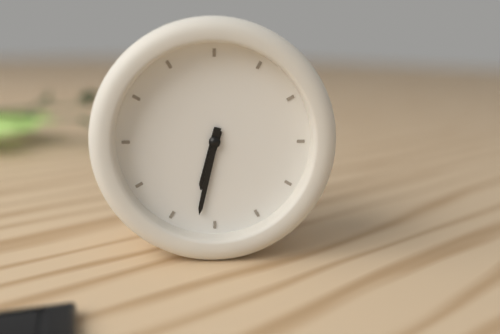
6:32
